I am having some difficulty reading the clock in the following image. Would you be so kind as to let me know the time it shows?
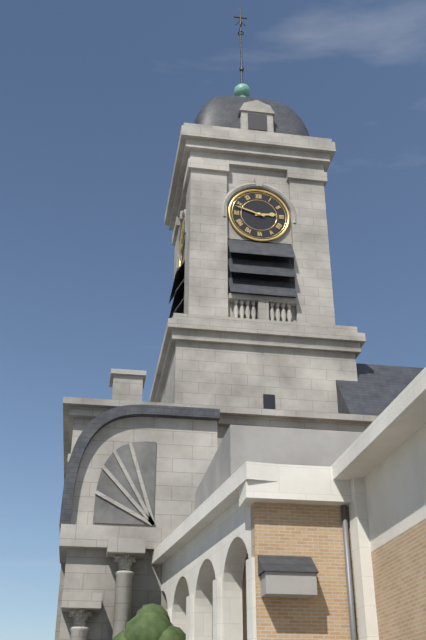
2:48
